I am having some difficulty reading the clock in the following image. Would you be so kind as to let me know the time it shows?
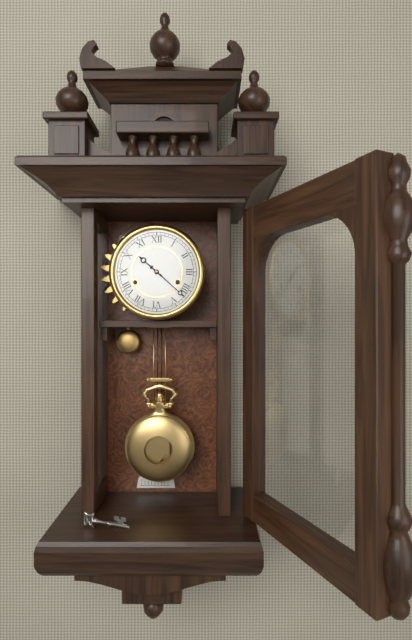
10:22
